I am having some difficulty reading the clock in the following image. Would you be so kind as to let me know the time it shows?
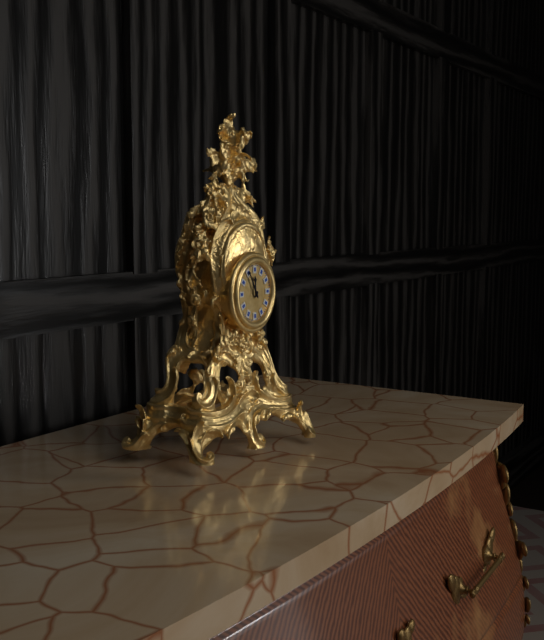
11:55
